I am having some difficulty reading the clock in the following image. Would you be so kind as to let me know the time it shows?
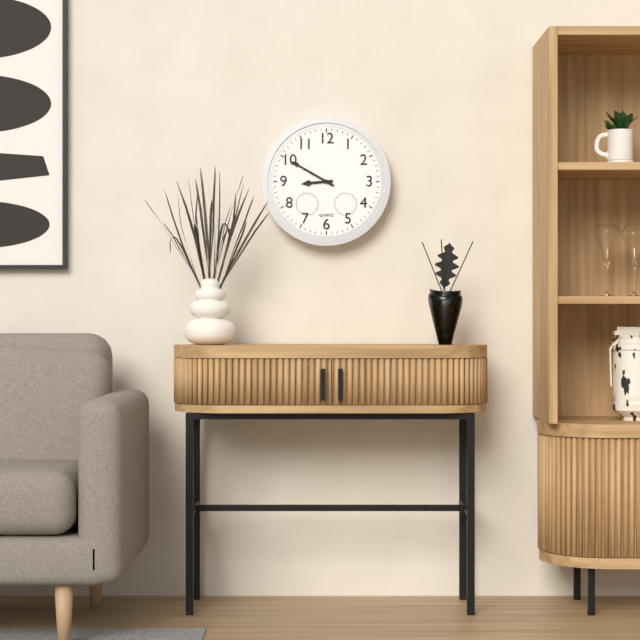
8:50
